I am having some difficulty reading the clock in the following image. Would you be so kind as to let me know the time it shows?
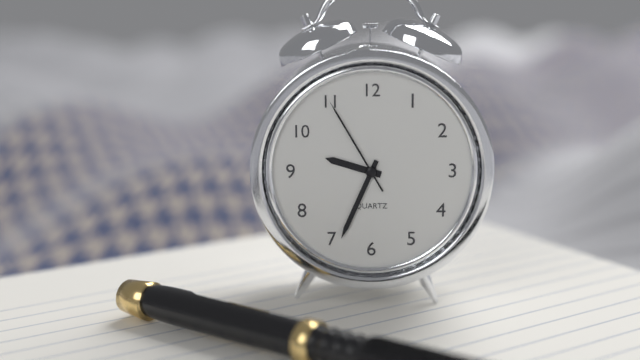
9:34:55
